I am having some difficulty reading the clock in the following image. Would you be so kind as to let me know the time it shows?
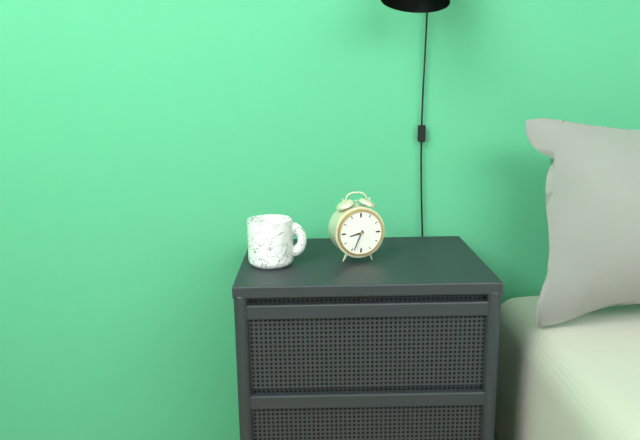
8:34
